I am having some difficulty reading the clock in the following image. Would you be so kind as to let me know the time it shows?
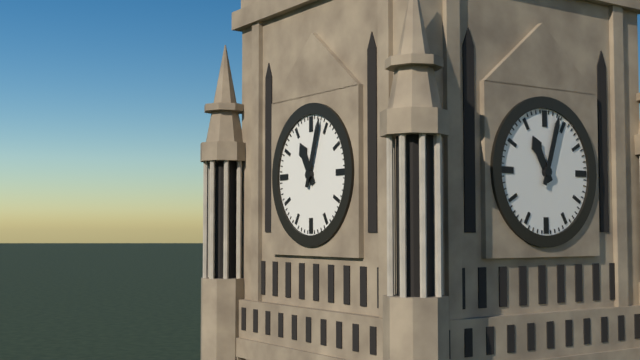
11:03
